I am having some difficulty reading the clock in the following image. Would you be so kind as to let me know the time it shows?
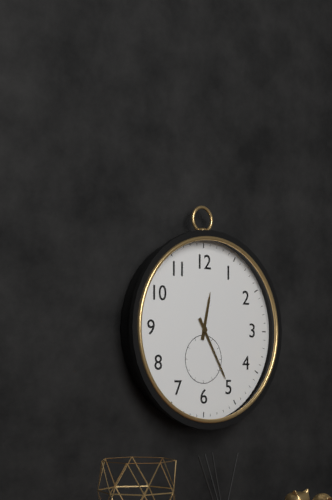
12:25
